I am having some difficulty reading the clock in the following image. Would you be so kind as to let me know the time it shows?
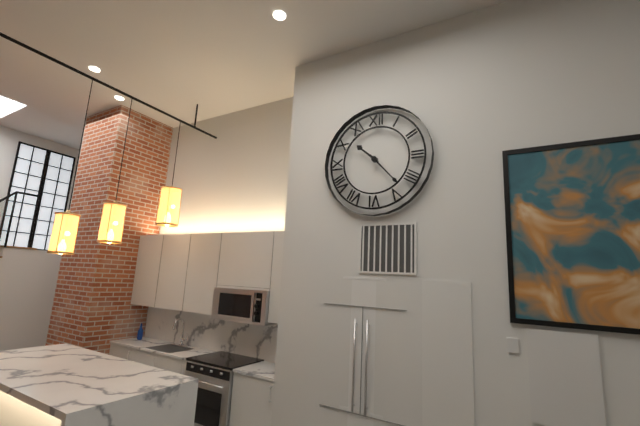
10:23
